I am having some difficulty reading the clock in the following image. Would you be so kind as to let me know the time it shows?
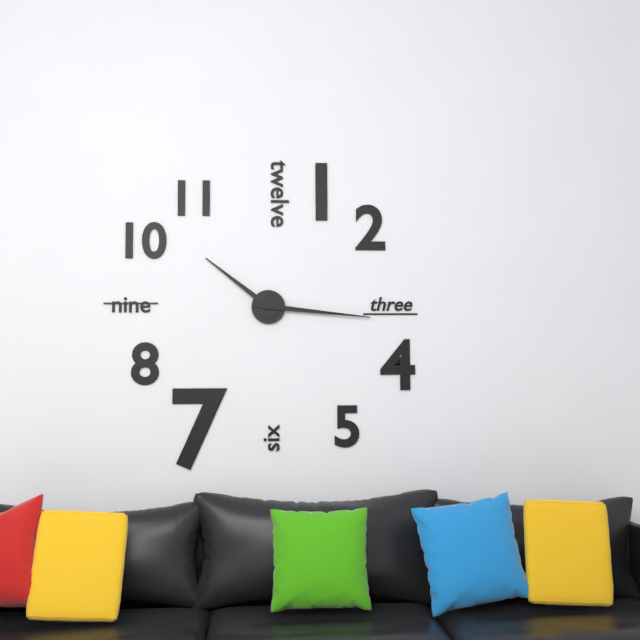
10:16
